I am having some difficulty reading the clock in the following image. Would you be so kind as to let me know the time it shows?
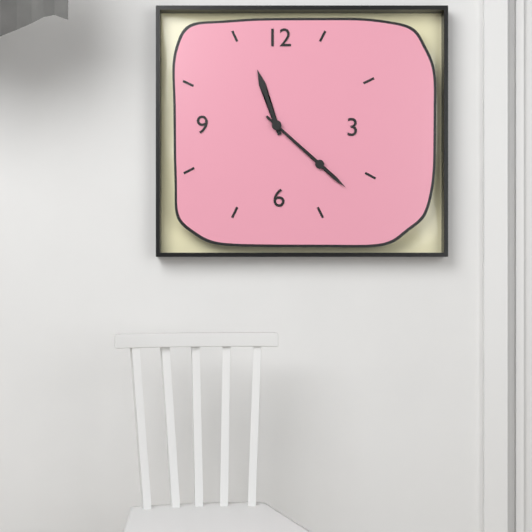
11:22
